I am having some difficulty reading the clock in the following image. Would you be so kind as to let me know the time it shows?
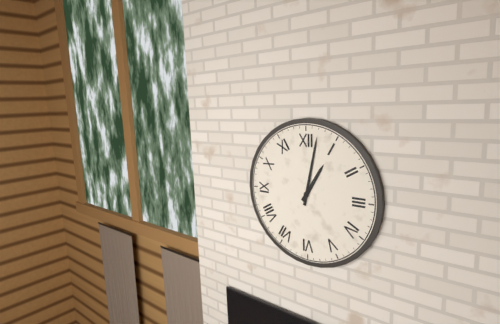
1:02
